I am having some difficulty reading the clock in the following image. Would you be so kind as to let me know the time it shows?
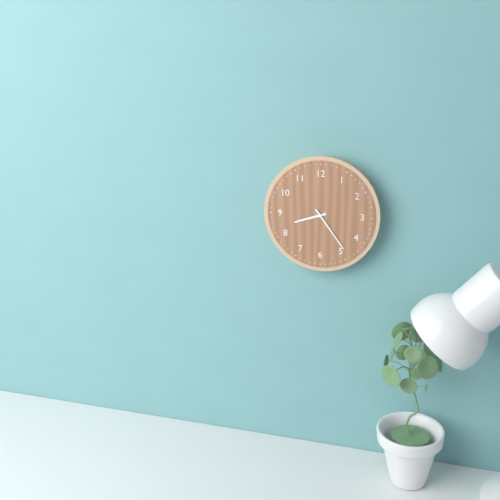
8:24
